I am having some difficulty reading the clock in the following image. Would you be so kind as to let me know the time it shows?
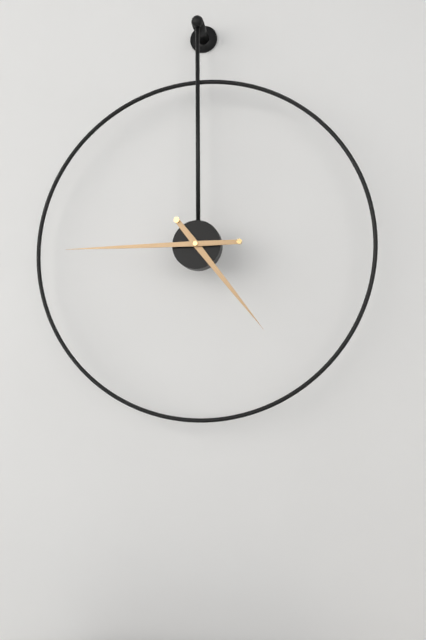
4:45
